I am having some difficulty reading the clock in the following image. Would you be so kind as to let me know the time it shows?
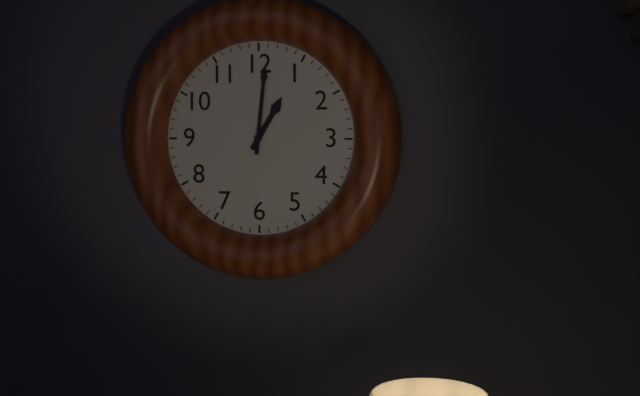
1:01
